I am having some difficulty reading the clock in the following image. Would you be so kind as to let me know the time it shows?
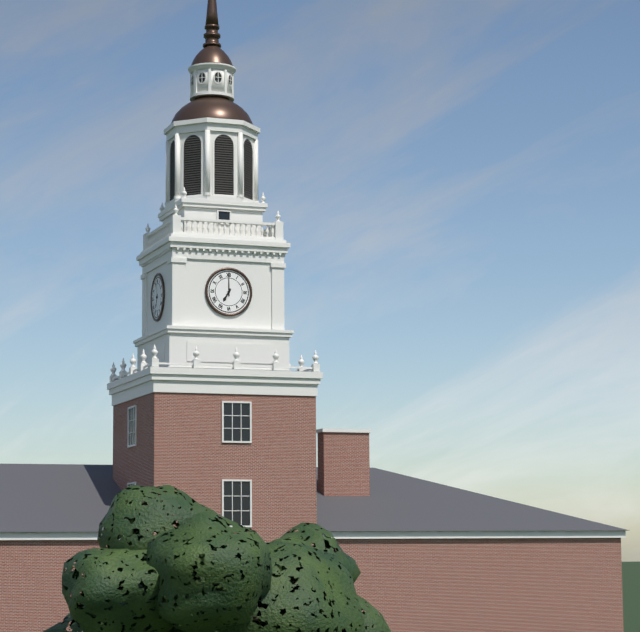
7:00
